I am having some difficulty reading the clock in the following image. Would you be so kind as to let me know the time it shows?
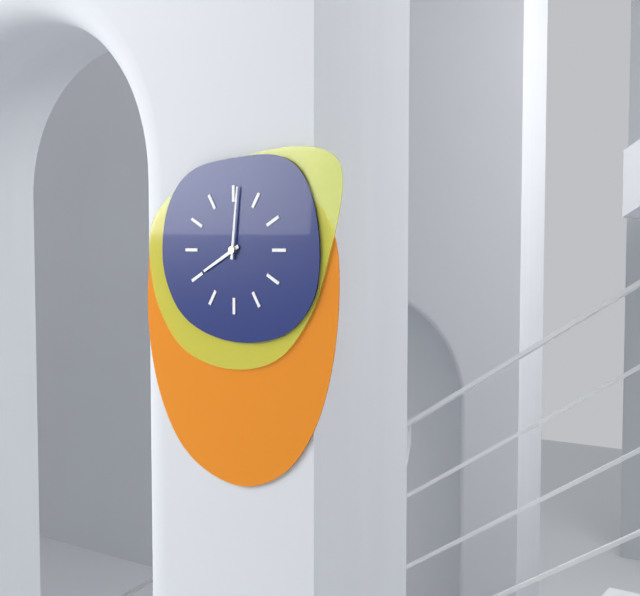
8:01
